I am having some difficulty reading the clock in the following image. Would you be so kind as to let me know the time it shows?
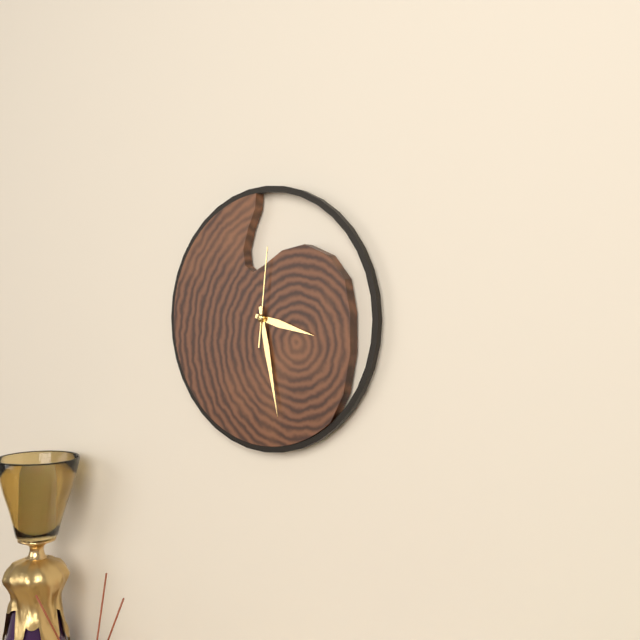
3:28:01
